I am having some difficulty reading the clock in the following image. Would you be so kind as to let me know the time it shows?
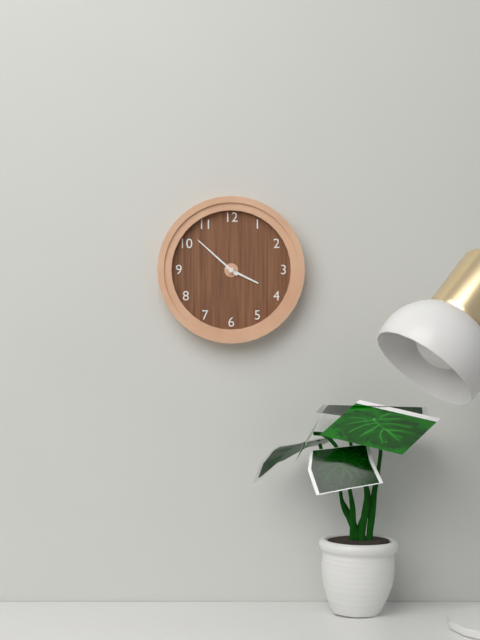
3:52
